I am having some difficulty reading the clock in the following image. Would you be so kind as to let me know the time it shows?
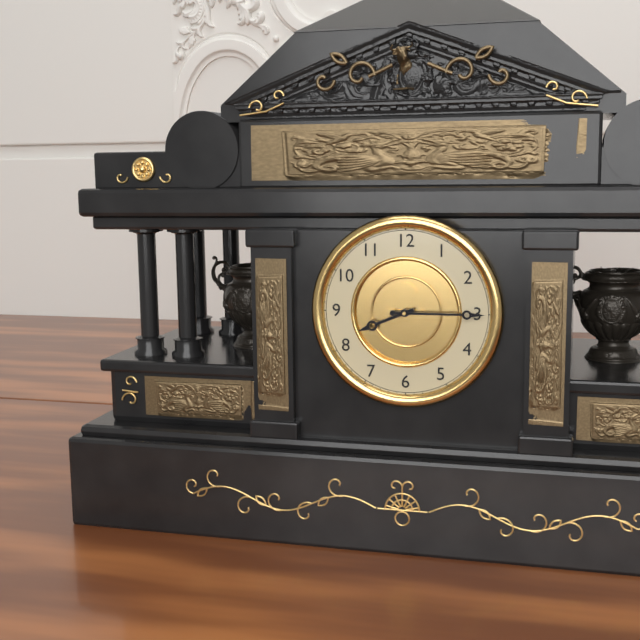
8:15
